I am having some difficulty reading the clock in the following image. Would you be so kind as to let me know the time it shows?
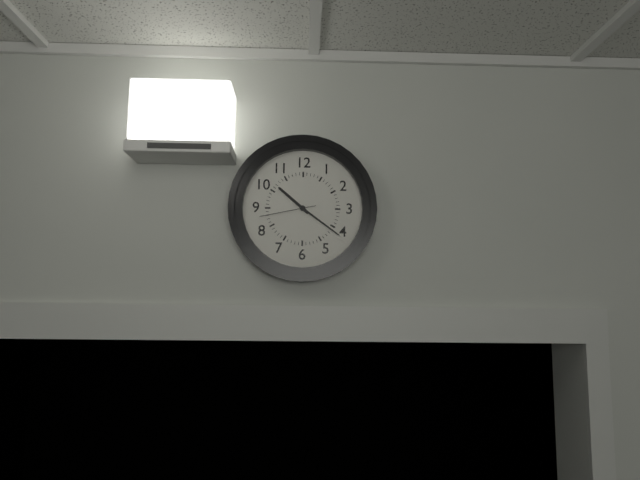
10:21:43
